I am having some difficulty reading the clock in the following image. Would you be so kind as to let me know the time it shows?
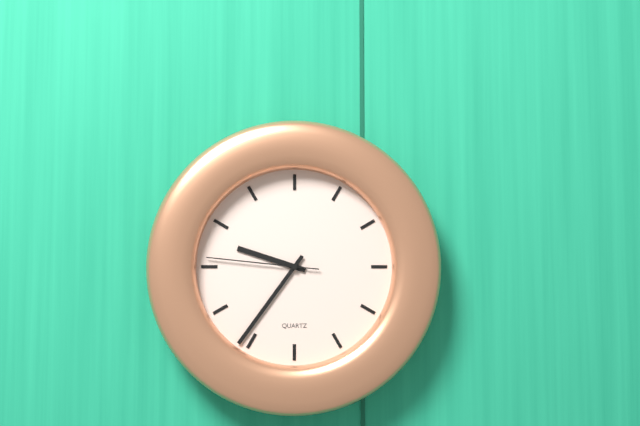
9:36:46
